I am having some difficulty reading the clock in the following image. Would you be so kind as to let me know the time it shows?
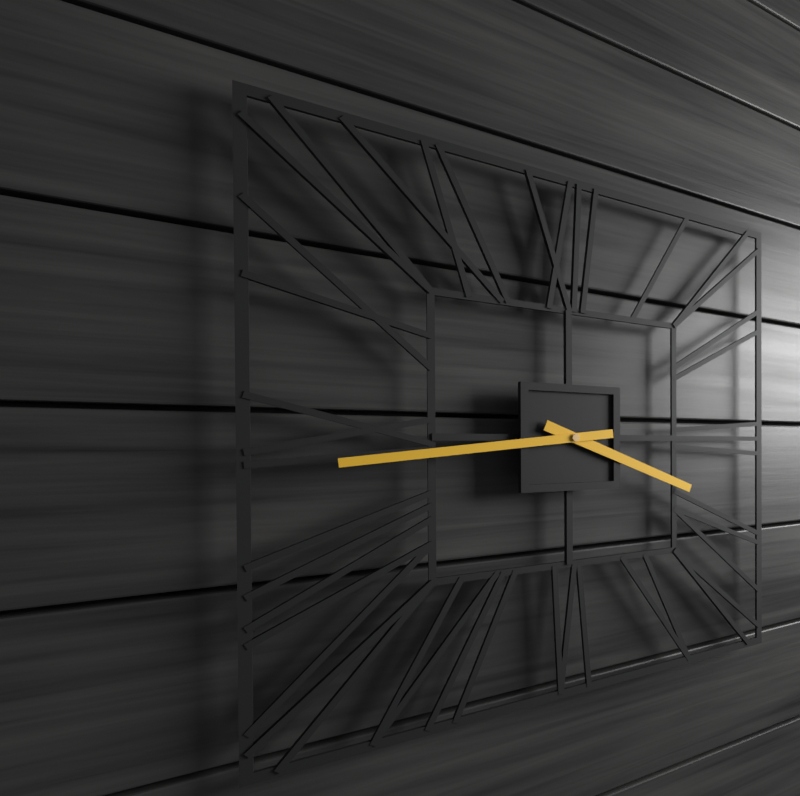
3:44
